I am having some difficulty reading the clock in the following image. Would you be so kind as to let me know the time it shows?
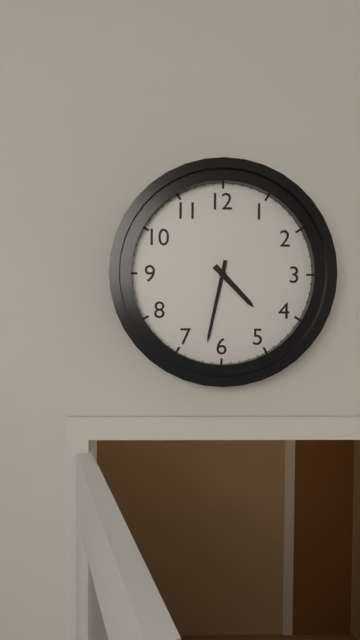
4:32
